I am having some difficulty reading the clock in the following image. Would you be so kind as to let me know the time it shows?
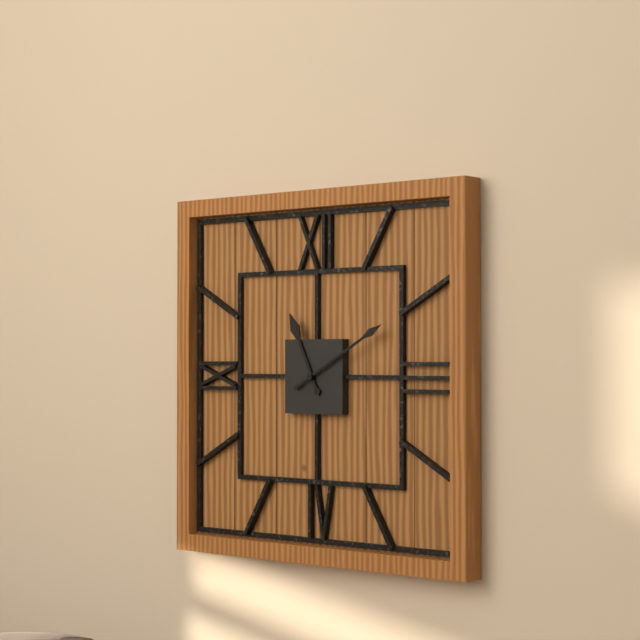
11:10
